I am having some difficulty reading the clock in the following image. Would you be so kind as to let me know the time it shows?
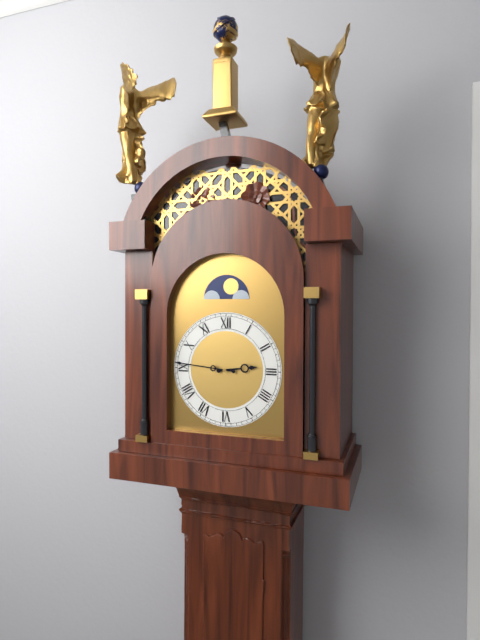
2:46
